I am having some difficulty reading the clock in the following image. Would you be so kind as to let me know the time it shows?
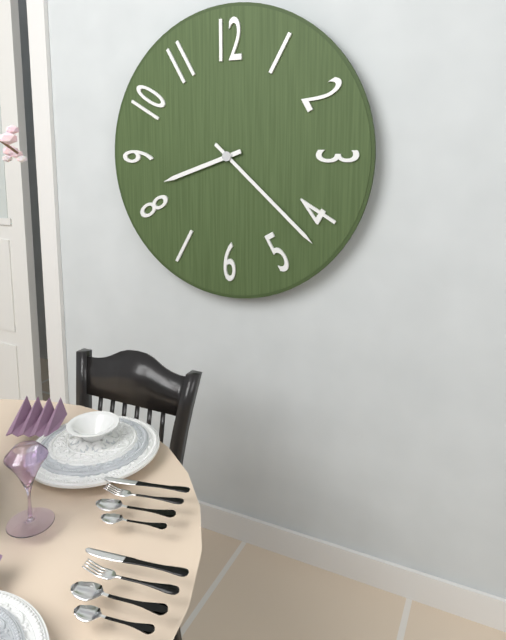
8:22
